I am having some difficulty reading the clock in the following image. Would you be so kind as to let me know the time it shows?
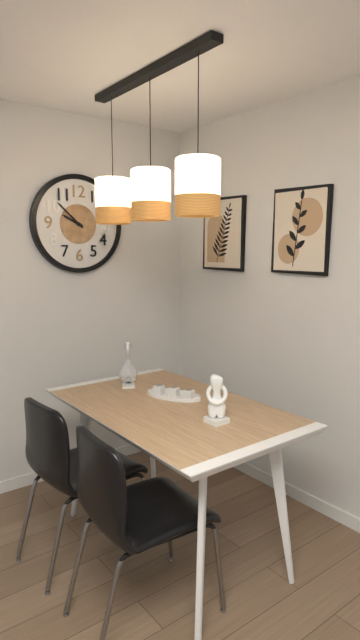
9:52
